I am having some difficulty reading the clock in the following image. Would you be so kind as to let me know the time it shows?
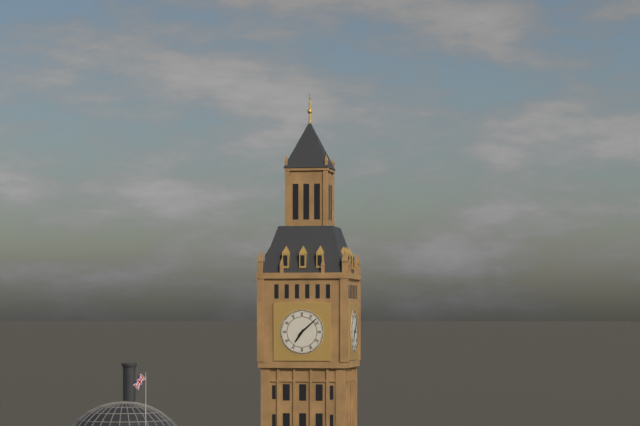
7:08
